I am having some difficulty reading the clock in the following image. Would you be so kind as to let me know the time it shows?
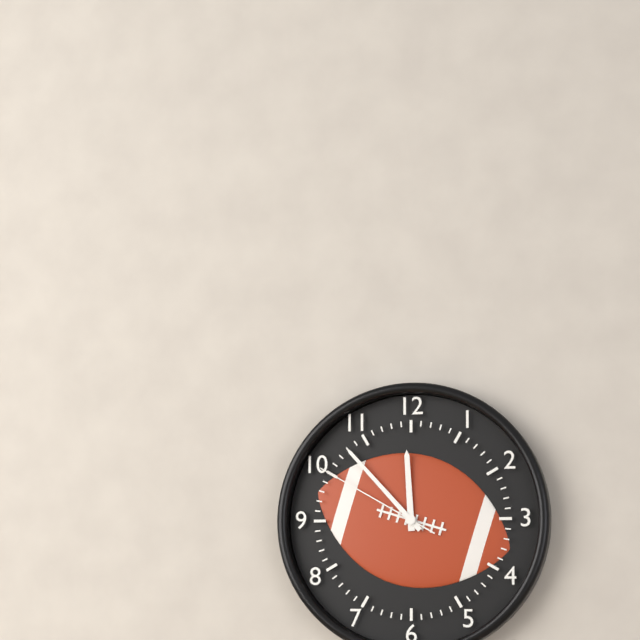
11:53:50
